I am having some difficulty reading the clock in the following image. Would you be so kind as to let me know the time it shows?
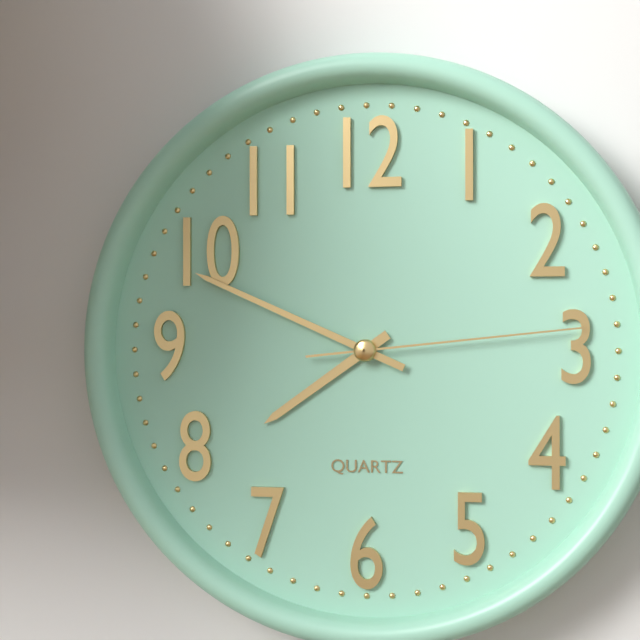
7:49:14
